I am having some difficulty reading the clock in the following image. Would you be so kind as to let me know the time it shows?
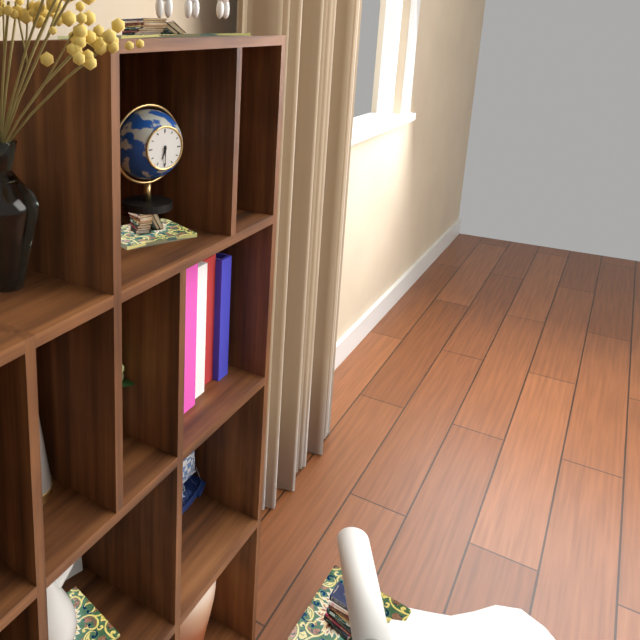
6:30
